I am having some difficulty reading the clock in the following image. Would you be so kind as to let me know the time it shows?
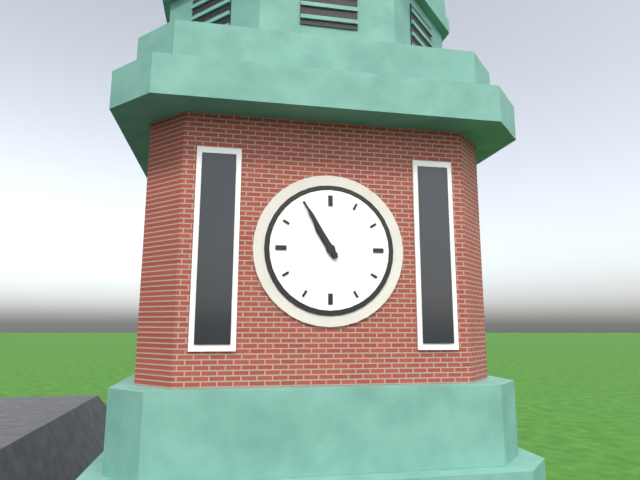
10:55
